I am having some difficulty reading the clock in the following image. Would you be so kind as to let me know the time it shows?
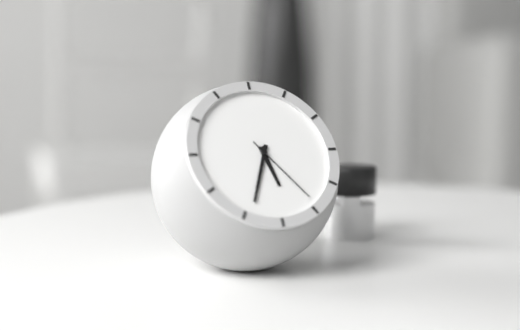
5:34:24
